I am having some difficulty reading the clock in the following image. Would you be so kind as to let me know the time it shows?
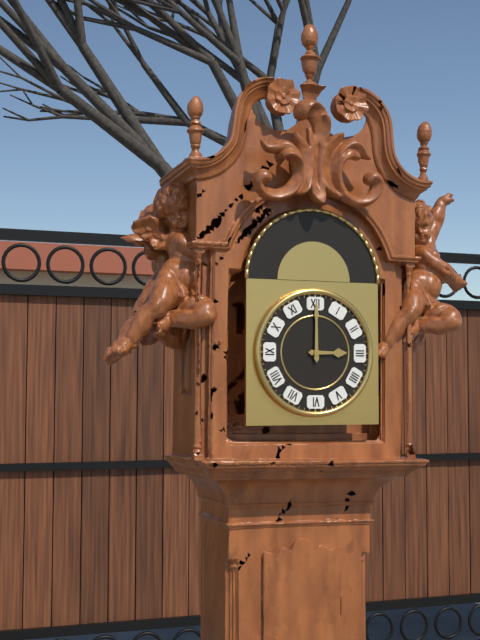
3:00
